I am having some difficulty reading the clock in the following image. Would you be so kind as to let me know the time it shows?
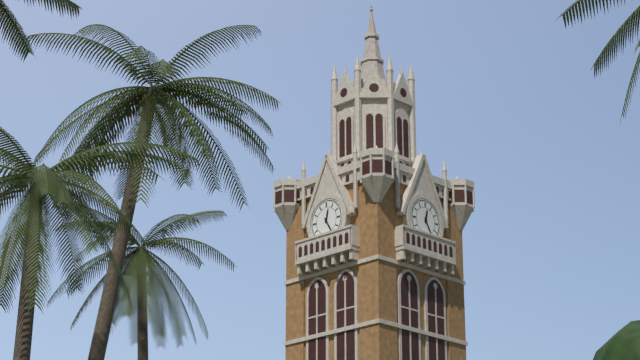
12:25
